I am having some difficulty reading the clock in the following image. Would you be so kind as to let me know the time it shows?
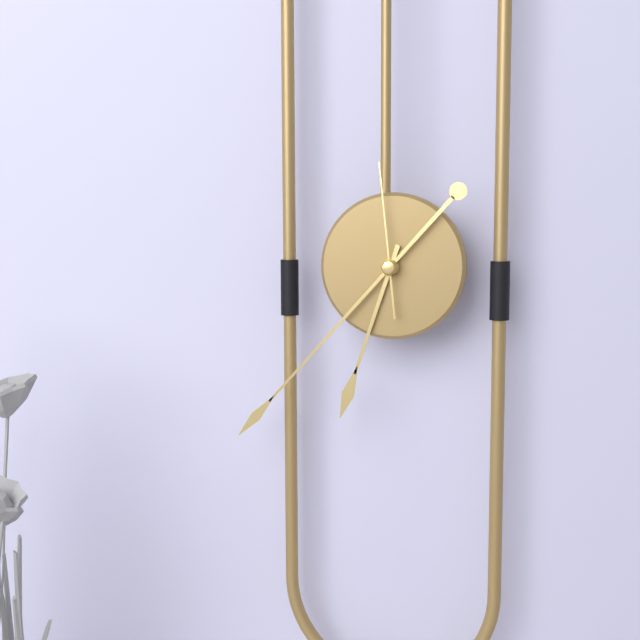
6:37:59
